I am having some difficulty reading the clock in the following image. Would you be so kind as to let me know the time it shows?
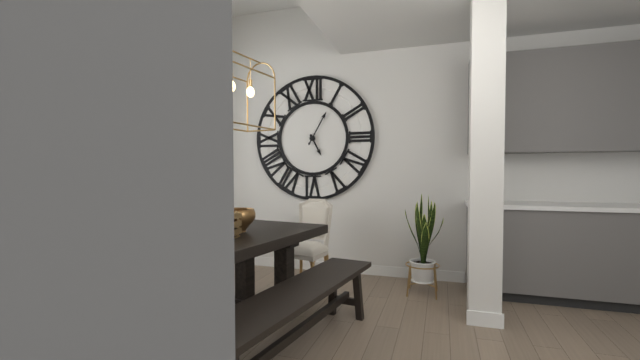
5:05
